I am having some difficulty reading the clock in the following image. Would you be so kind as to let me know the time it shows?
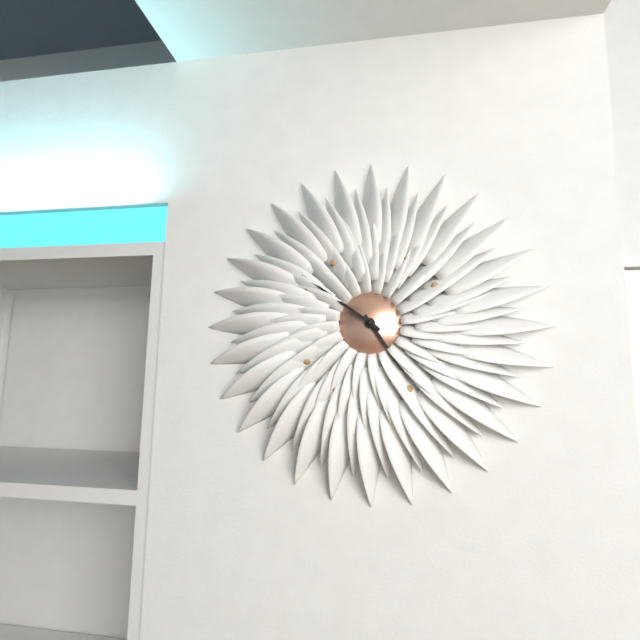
4:51
